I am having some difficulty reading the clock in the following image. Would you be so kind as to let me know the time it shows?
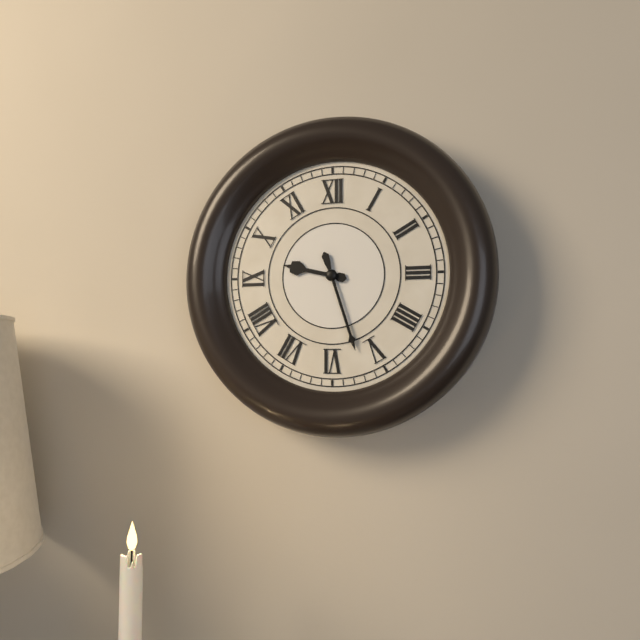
9:27
